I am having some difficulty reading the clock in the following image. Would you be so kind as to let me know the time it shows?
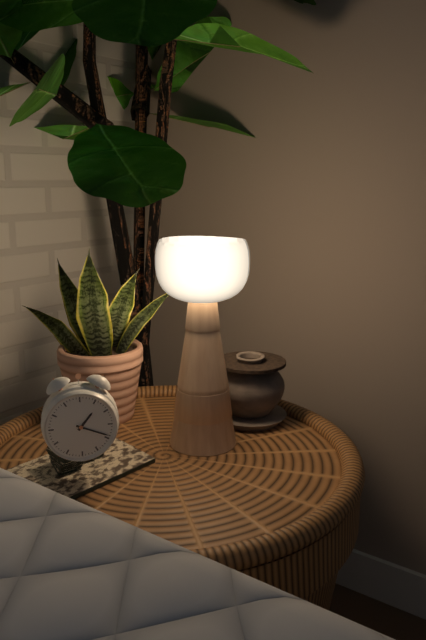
1:19
